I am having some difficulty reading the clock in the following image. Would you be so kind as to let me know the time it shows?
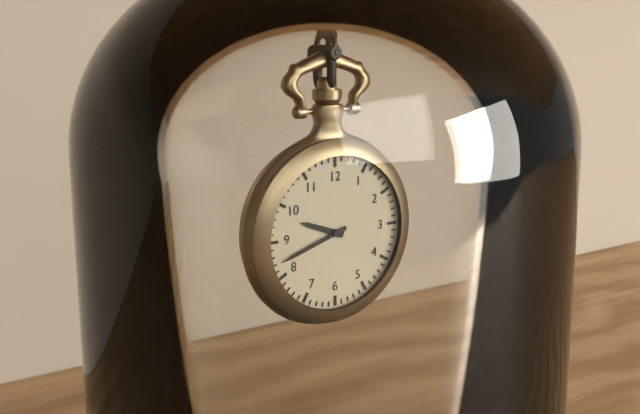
9:42
